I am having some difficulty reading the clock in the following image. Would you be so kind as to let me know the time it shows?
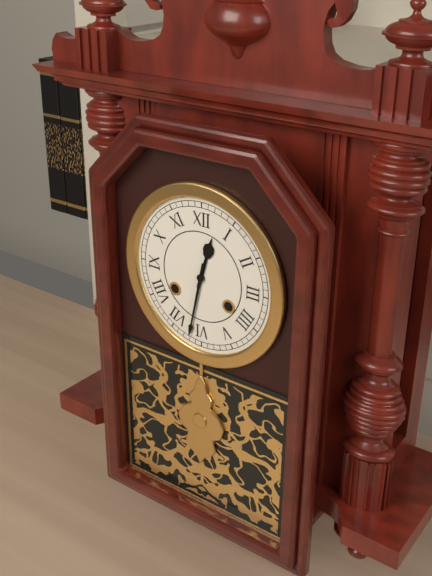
12:32
